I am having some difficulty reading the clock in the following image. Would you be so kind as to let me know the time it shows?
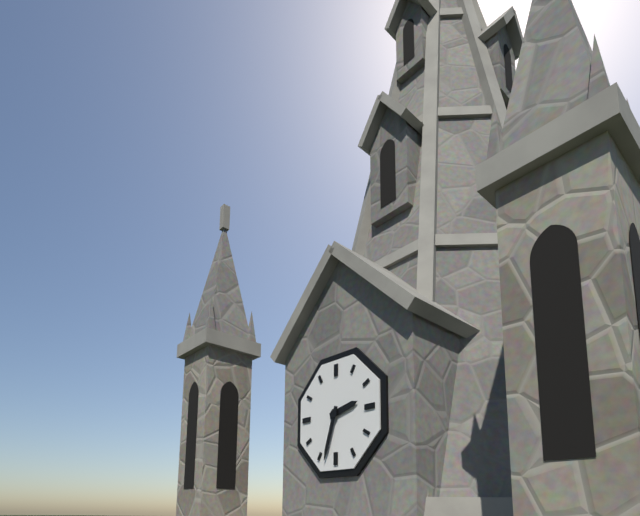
2:33
